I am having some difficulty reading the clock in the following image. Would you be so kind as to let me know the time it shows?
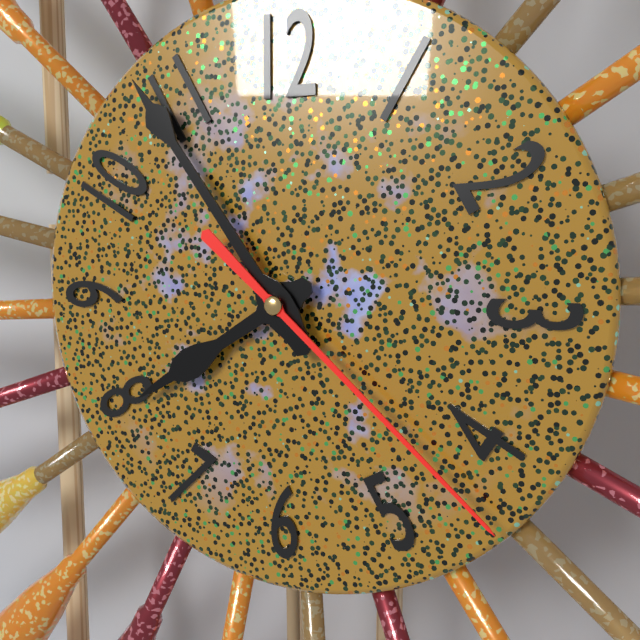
7:54:22
